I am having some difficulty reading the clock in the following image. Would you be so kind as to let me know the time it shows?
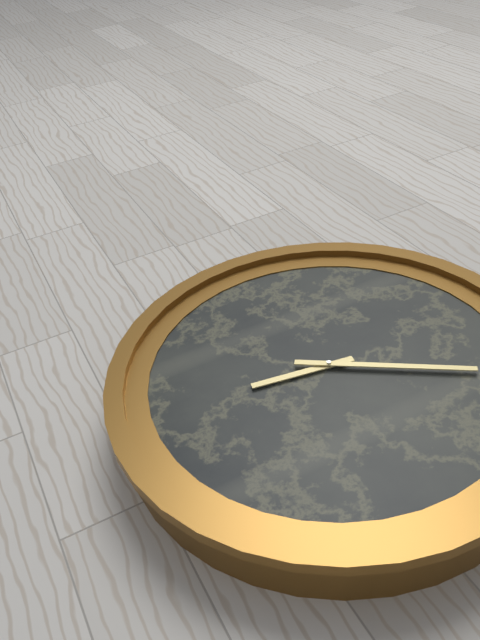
9:21
